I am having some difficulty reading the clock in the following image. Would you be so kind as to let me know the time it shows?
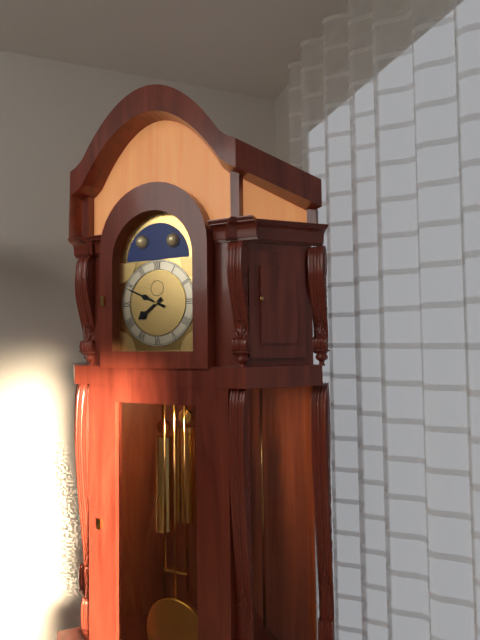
7:49
